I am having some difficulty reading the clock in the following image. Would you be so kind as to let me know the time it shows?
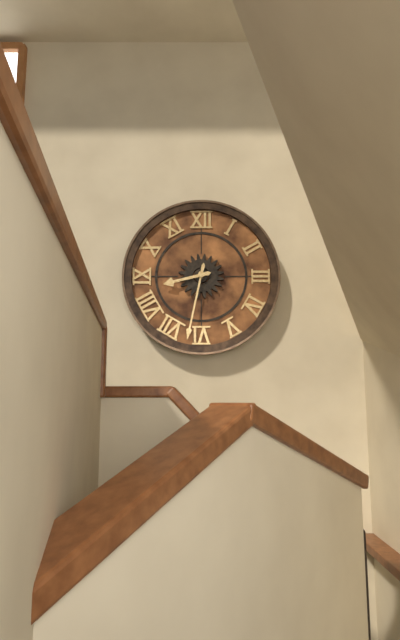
8:32
